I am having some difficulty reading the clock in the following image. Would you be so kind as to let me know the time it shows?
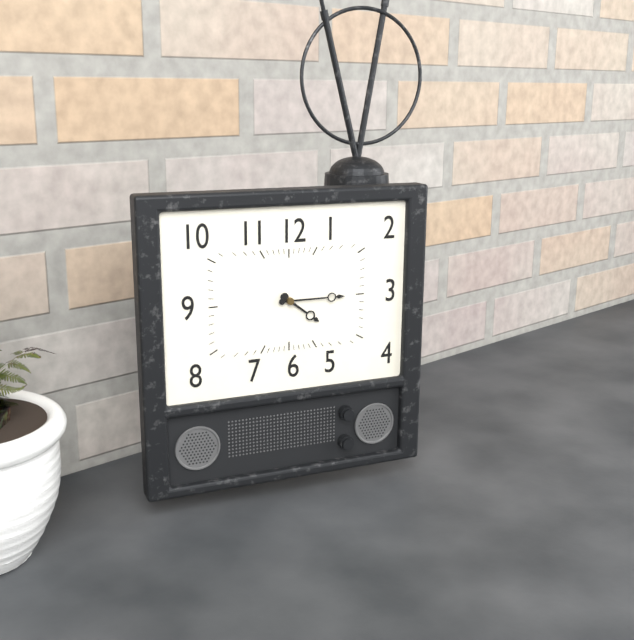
4:15
